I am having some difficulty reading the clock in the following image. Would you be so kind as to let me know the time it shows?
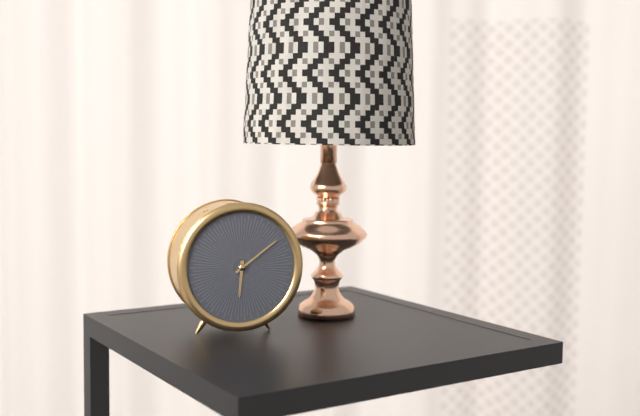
6:09
